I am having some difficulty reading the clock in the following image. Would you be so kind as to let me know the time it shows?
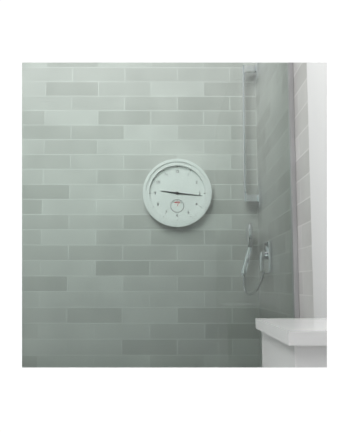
9:16
